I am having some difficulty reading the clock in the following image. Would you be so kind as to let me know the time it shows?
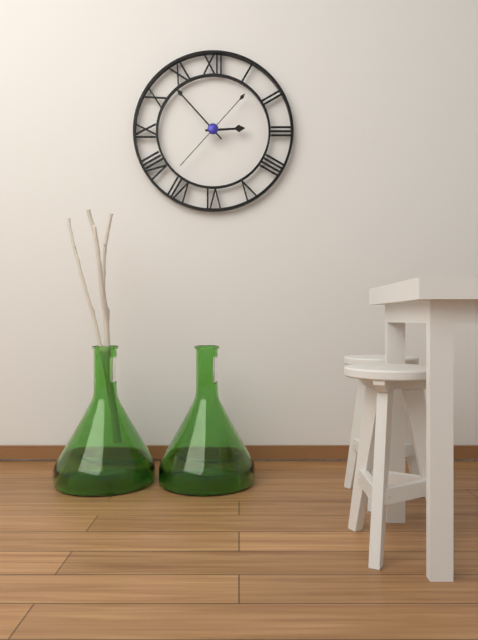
2:53:37
